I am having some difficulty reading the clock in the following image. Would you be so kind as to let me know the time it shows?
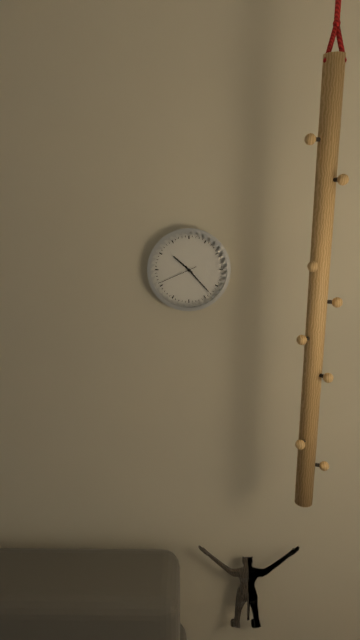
10:23
